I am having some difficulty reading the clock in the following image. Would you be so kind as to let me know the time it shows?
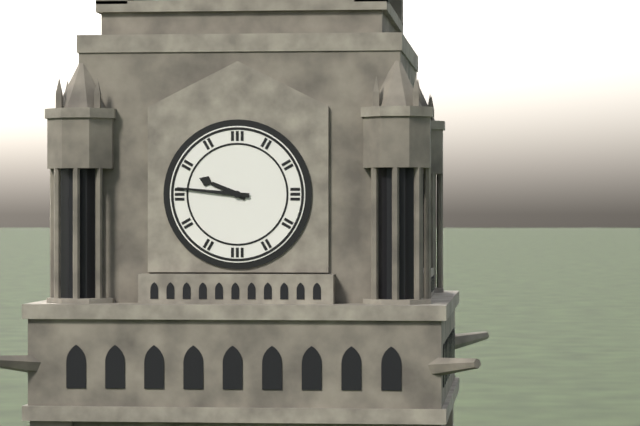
9:46
